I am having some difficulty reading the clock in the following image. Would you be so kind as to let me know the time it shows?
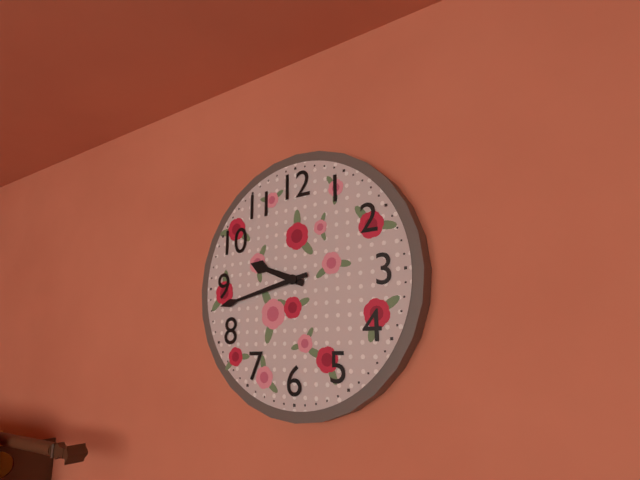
9:43
